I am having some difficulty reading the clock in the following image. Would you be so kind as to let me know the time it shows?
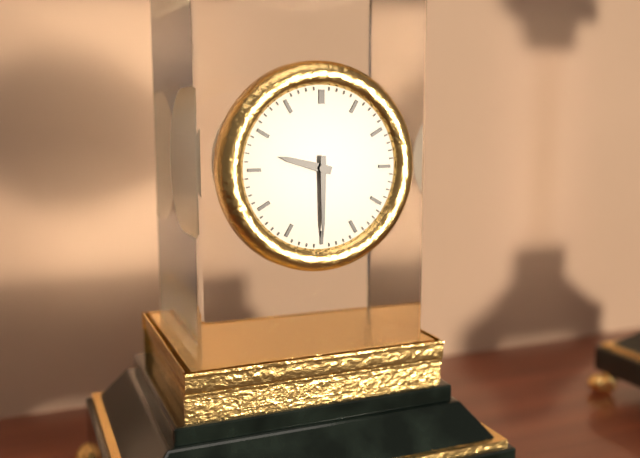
9:30
